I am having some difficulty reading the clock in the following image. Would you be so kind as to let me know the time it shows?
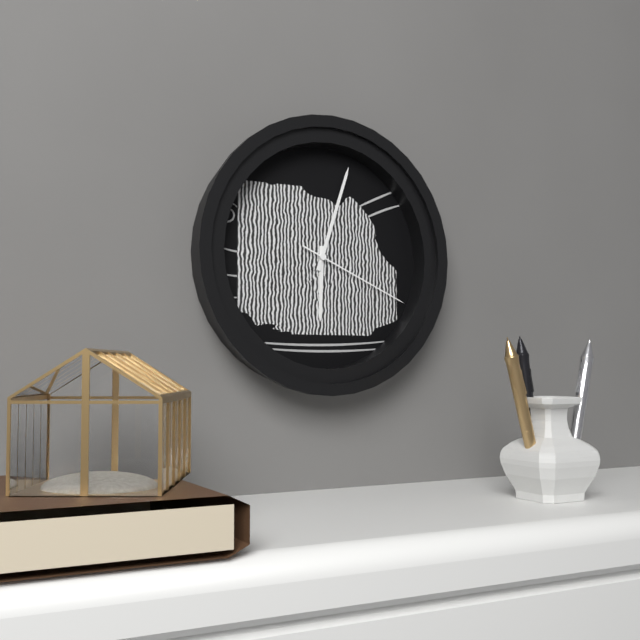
6:03:19
